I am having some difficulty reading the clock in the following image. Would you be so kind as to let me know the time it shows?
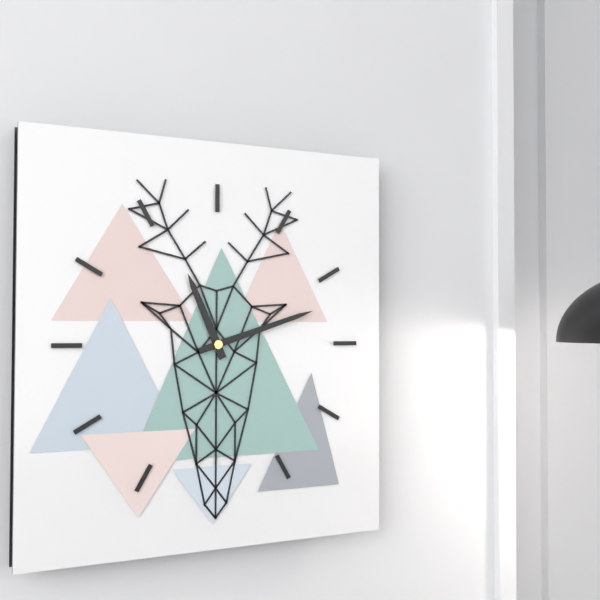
11:12
